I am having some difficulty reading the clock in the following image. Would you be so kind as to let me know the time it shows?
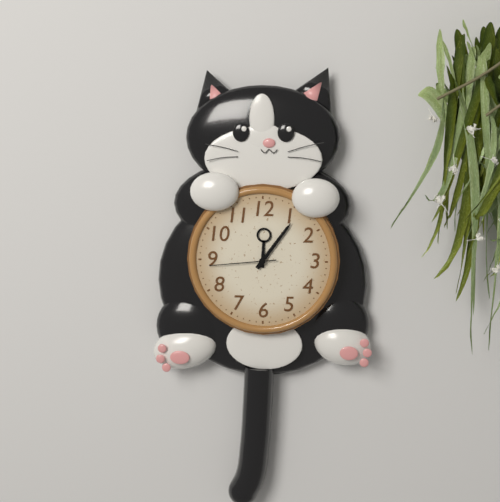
12:06:44
